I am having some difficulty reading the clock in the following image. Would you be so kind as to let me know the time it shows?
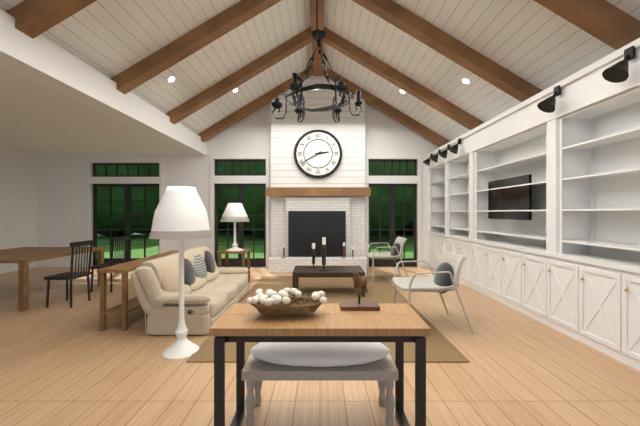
2:40
